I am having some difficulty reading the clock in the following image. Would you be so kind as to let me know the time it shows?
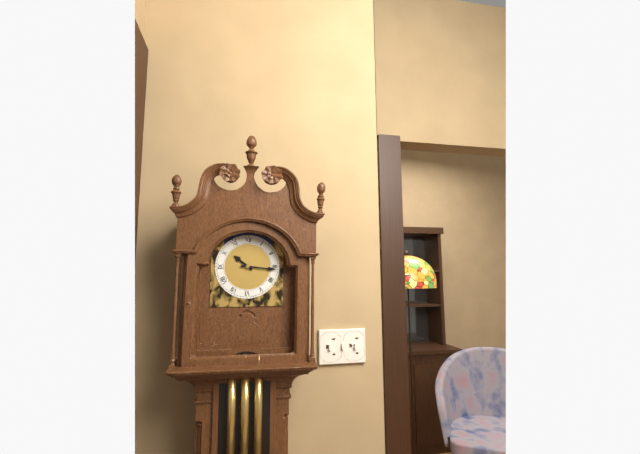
10:16
